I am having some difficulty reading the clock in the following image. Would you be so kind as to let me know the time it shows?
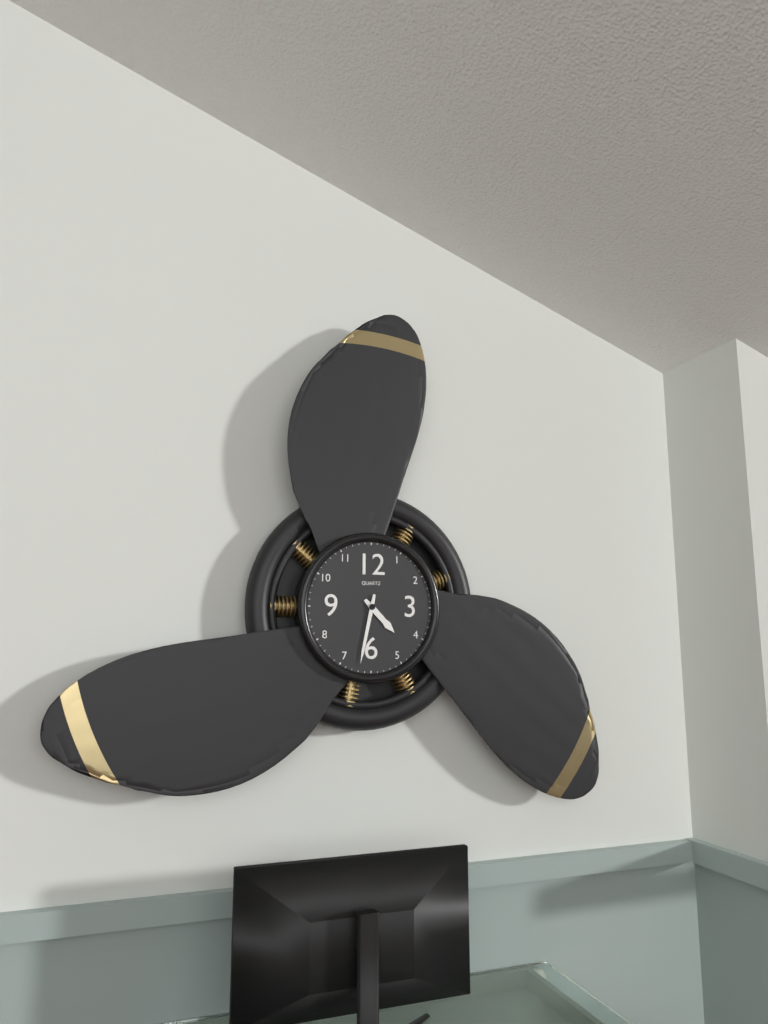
4:32
